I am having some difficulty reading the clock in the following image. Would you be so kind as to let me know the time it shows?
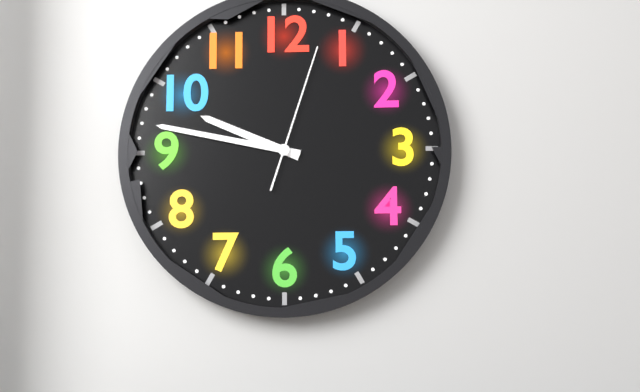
9:47:03
